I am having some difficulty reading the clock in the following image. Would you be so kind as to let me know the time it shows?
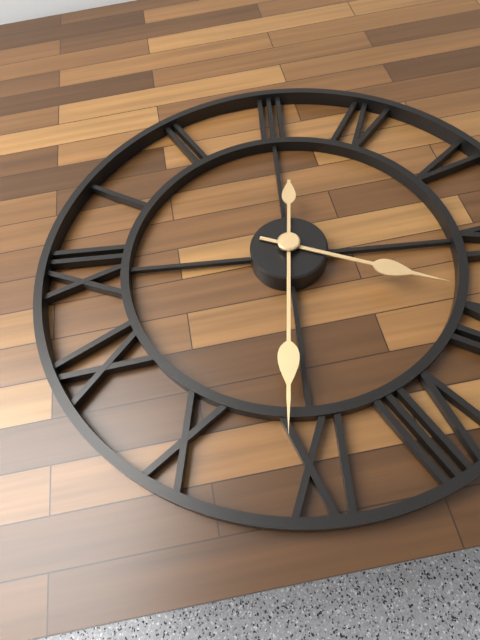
6:46
